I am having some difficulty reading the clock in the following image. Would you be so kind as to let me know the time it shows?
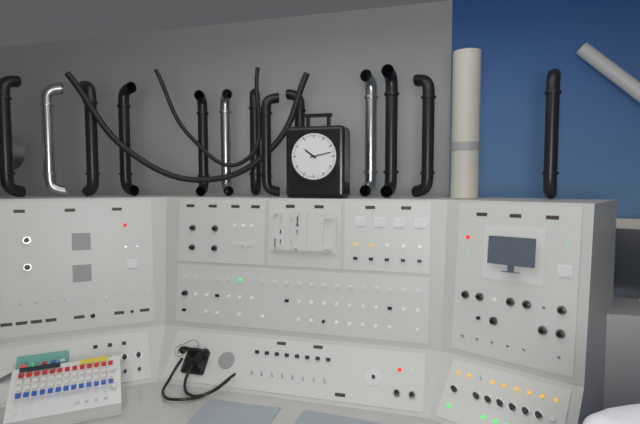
10:13
